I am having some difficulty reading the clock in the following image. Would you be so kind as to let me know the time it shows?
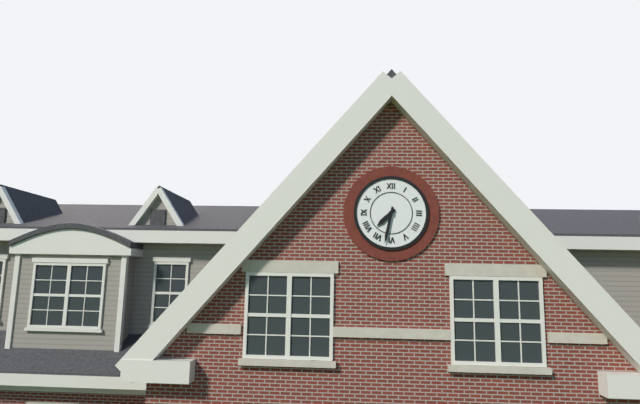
7:32
